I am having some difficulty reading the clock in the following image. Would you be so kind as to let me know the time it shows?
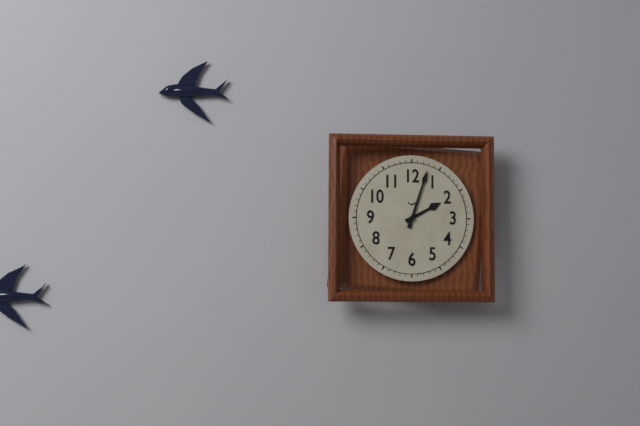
2:03
